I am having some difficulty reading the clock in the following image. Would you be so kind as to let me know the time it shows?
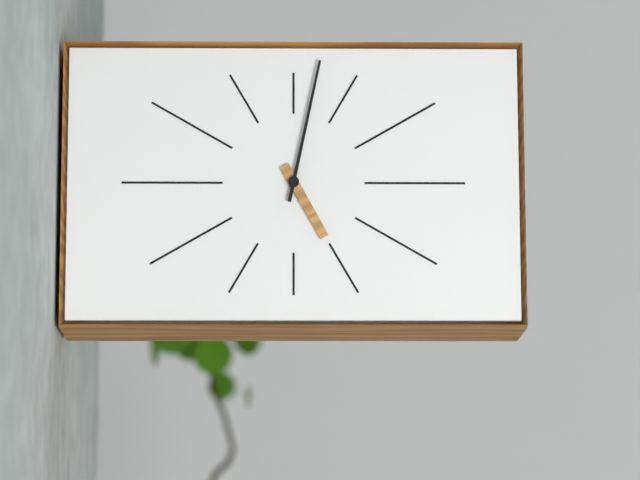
5:02
